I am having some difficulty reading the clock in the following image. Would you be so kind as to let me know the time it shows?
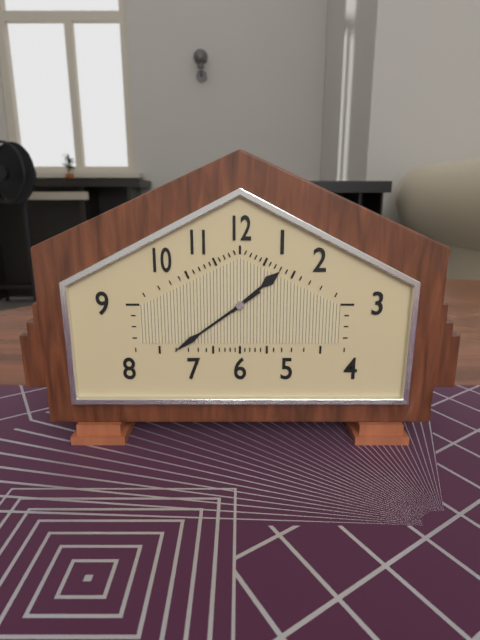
1:39
